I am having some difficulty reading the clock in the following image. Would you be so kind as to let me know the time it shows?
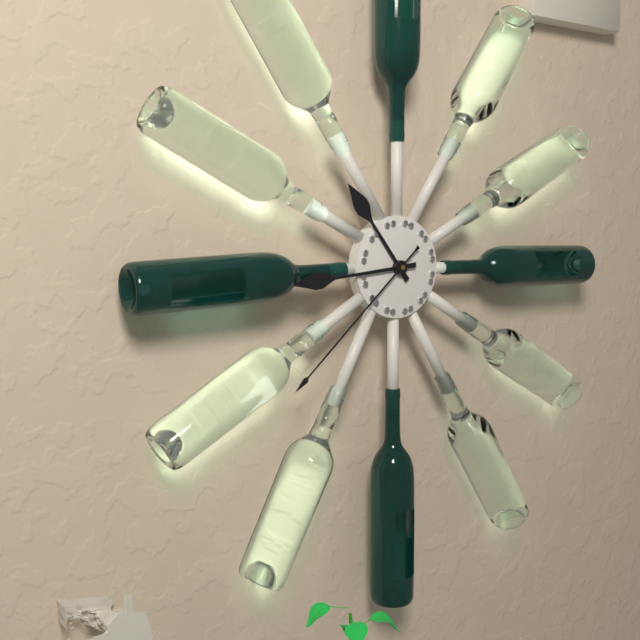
10:44:38
